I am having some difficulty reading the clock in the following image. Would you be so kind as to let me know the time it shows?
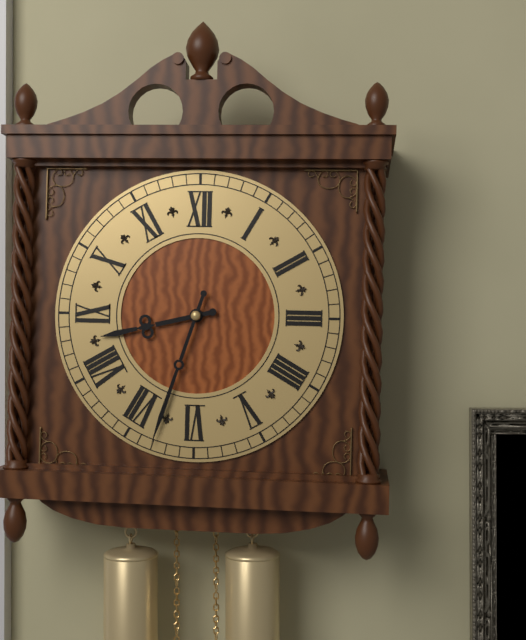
8:33
